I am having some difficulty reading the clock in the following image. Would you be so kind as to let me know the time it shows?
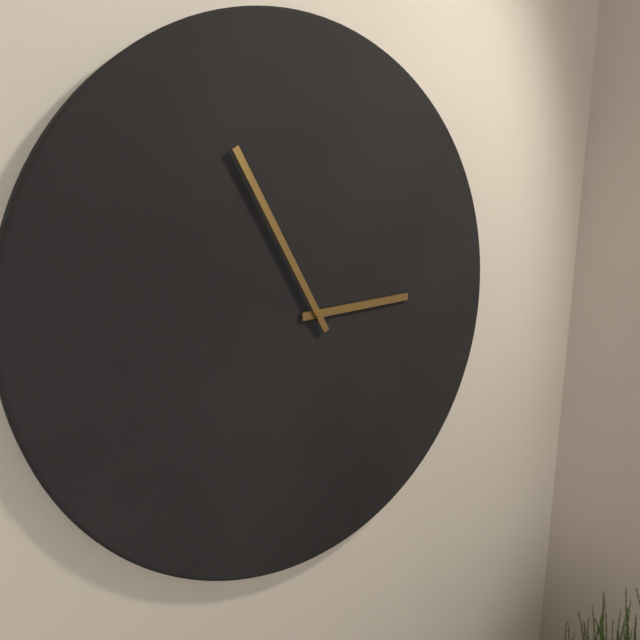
2:55
